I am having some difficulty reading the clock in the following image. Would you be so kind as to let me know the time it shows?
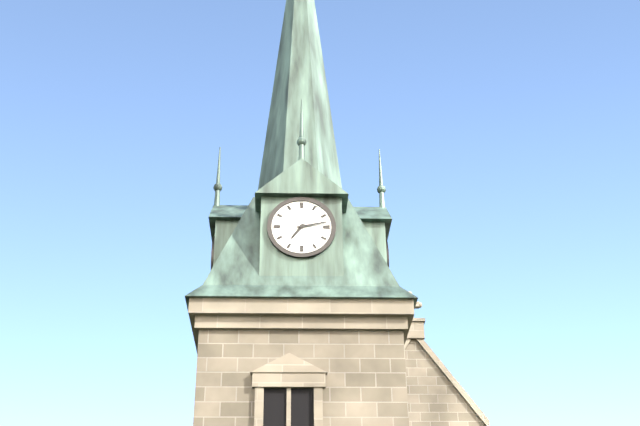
7:13
